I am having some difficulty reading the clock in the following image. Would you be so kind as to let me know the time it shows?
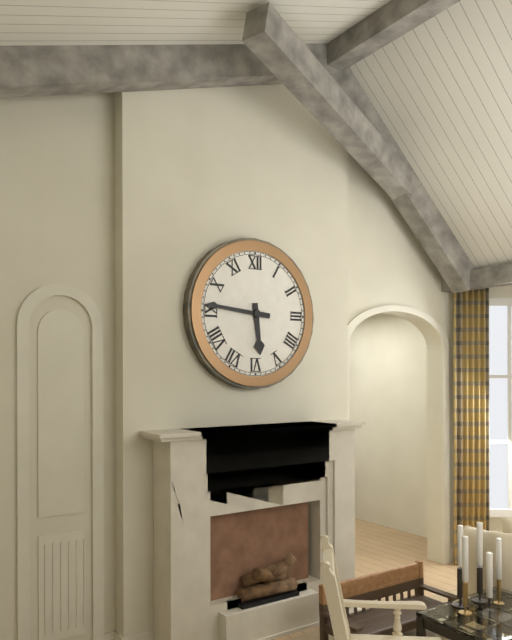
5:46
